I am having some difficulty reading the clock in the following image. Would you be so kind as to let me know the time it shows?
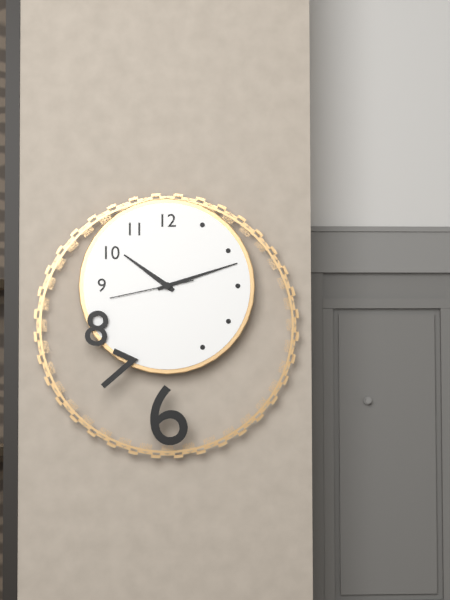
10:12:43
